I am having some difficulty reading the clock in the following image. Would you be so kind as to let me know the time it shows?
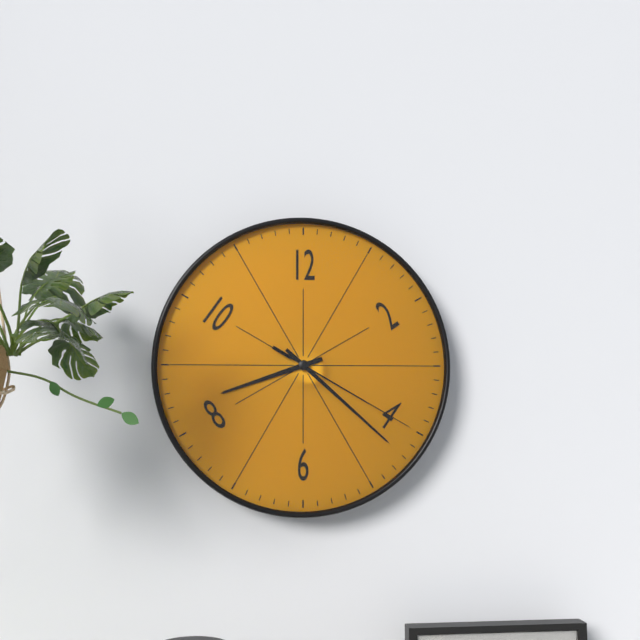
8:22:20
